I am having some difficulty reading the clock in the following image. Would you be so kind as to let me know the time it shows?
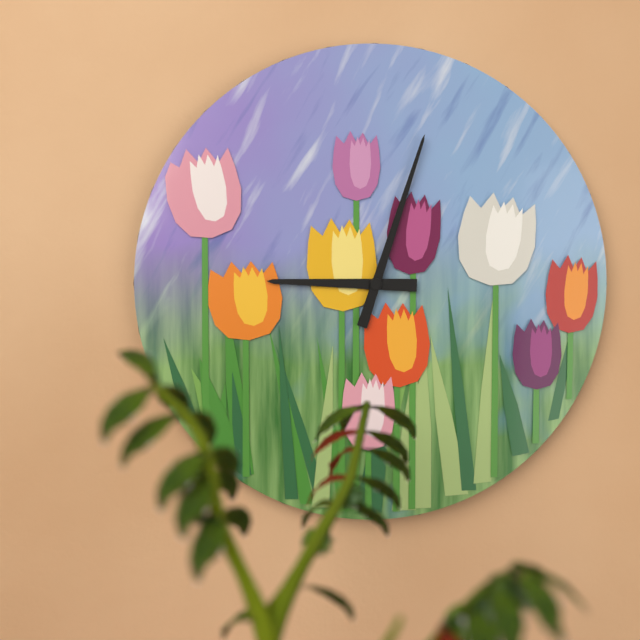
9:03
